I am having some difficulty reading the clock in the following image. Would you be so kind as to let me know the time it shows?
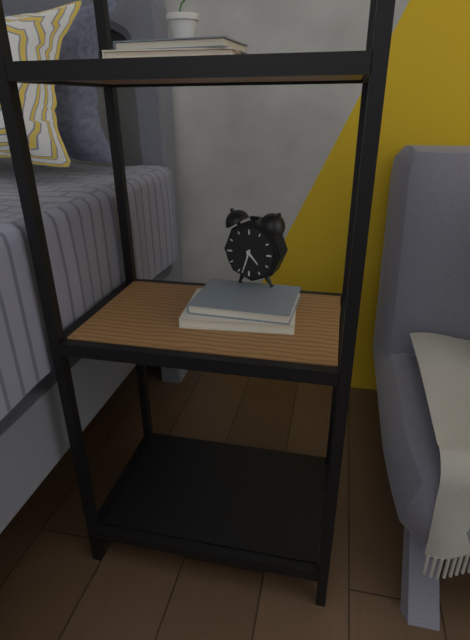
4:33
